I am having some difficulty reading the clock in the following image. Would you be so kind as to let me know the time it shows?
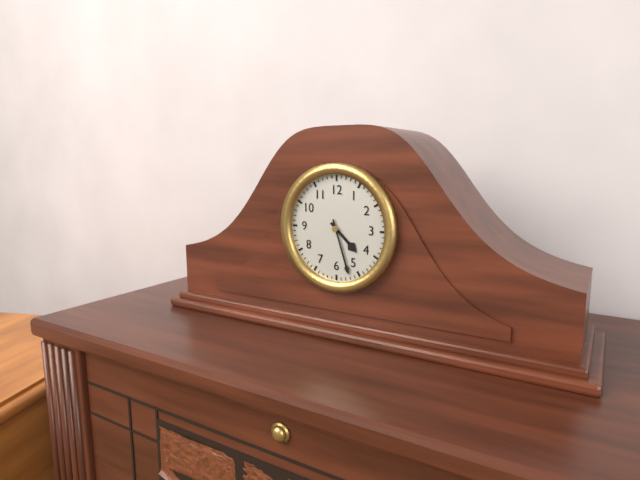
4:27
